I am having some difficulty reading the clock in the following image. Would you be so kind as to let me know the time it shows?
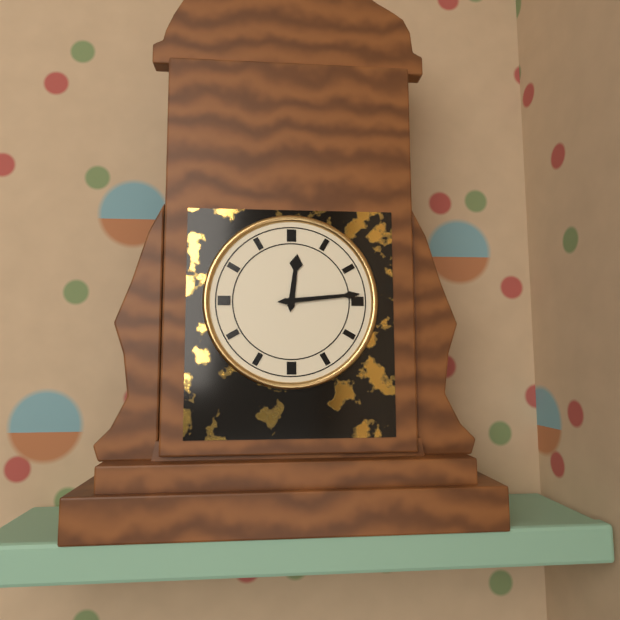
12:14
